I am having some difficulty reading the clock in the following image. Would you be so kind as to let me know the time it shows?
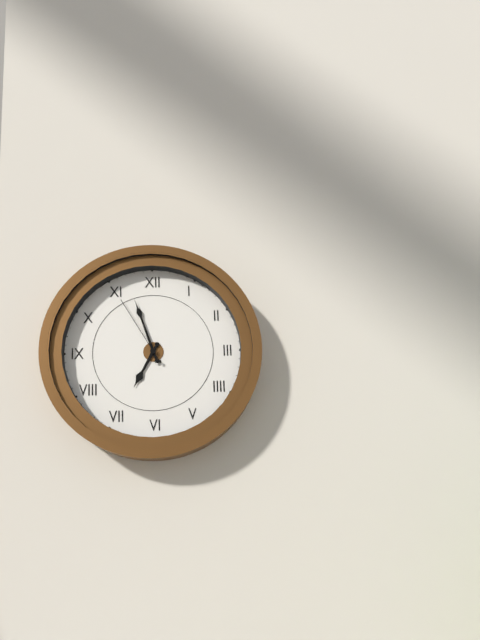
6:57:55
